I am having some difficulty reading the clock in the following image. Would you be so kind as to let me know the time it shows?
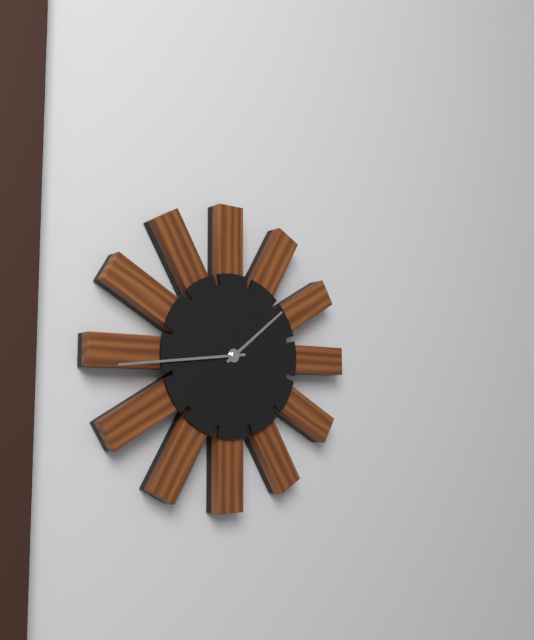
1:44
